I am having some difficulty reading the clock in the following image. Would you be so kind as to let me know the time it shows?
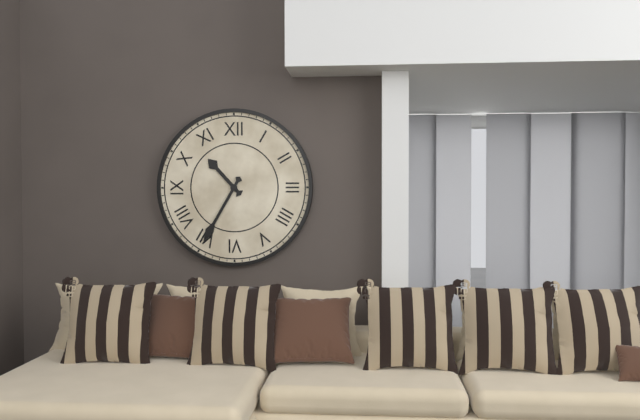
10:35
